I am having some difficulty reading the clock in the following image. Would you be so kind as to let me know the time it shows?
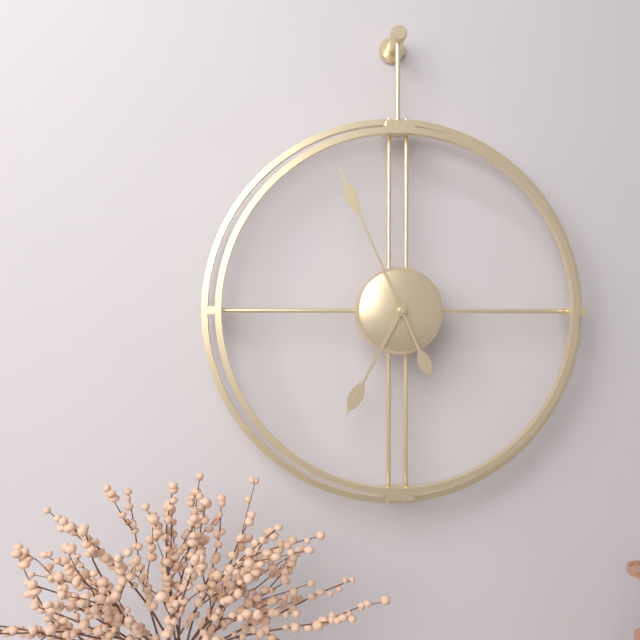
6:56
